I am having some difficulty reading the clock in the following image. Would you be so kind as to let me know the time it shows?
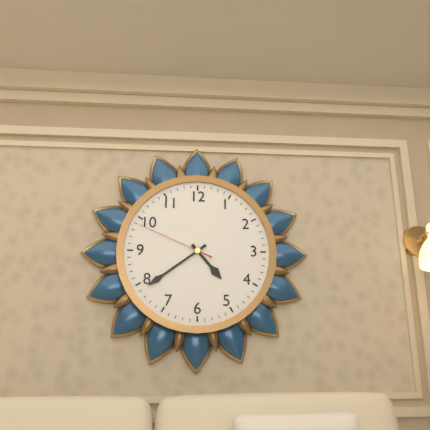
4:39:49
